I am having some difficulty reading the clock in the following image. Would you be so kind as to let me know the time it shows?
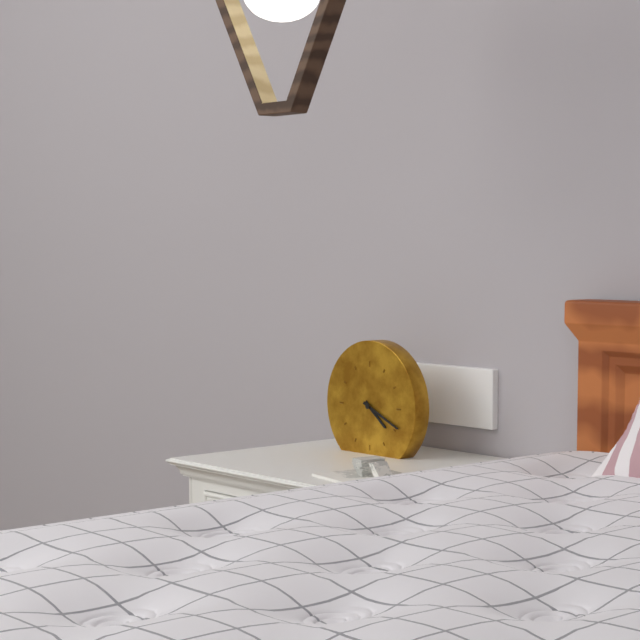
4:19
